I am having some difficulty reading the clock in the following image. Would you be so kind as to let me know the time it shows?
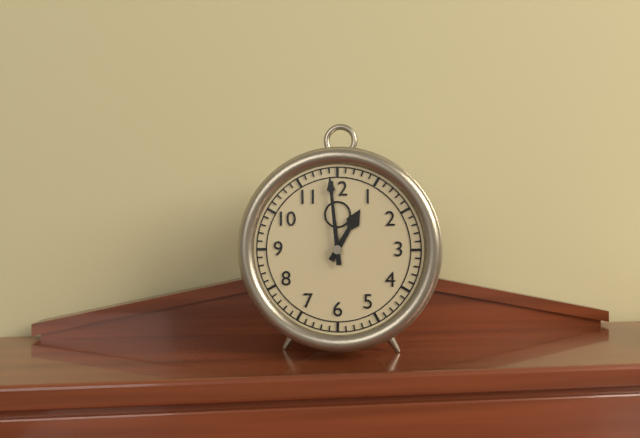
12:59
